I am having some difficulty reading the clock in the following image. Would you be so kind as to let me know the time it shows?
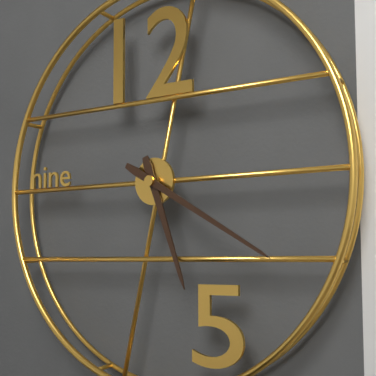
5:20
